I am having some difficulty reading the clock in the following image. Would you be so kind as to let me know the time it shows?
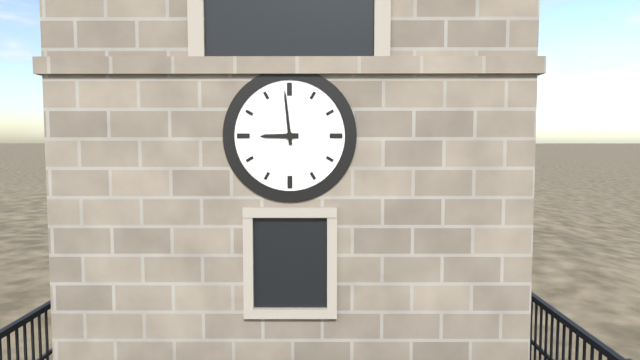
8:59
